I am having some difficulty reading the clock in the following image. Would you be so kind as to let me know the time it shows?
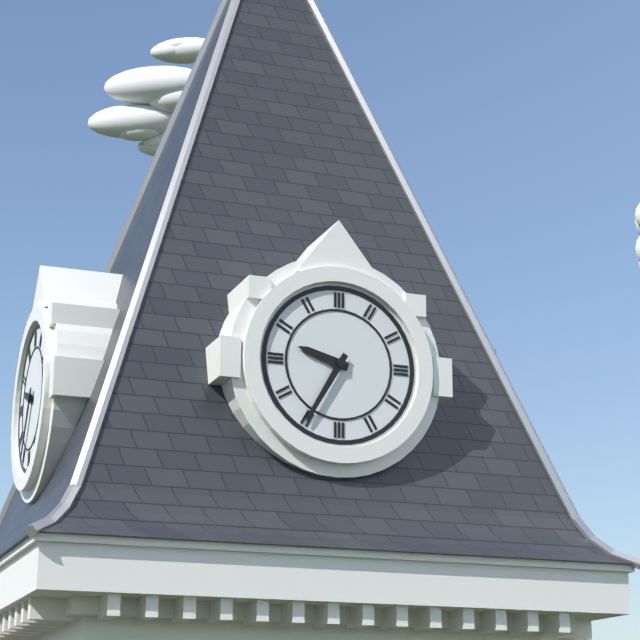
9:35
